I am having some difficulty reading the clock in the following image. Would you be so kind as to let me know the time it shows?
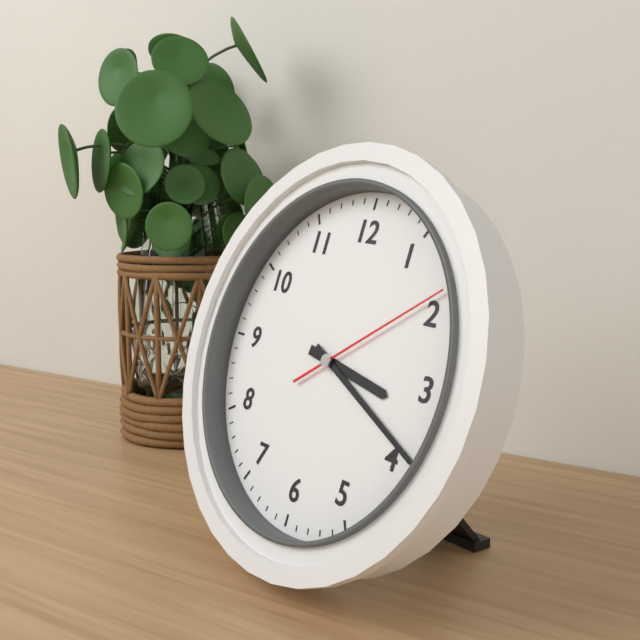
3:19:09
